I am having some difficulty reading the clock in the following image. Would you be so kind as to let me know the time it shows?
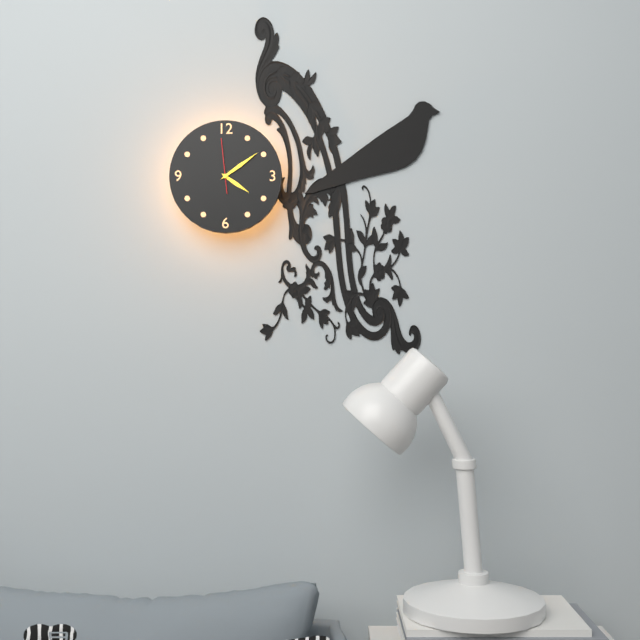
4:09:59
